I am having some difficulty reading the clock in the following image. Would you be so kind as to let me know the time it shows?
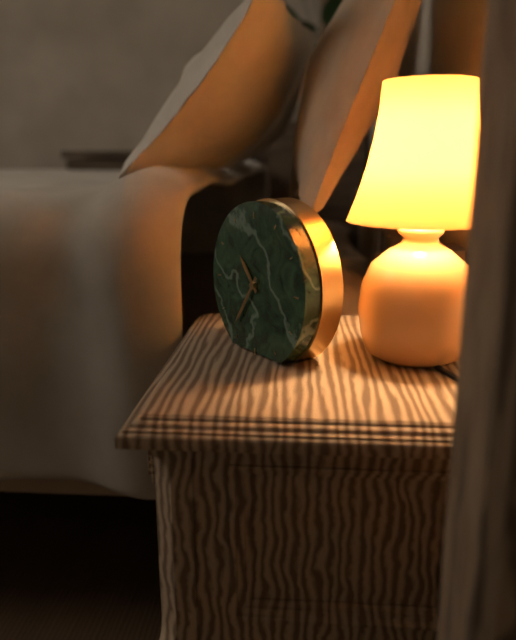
10:36
